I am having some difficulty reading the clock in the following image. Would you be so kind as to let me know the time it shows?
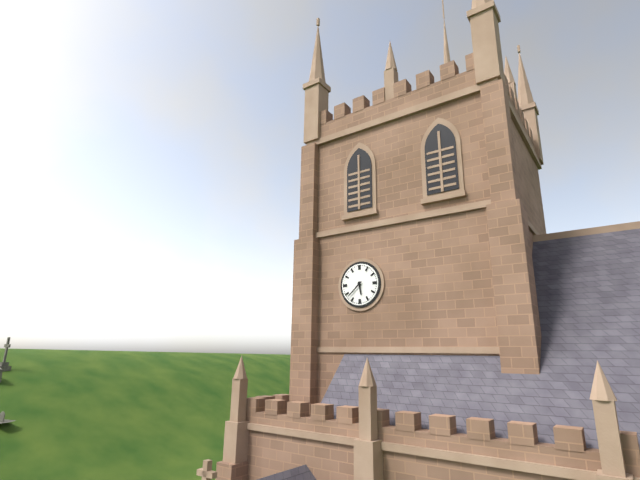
5:38
